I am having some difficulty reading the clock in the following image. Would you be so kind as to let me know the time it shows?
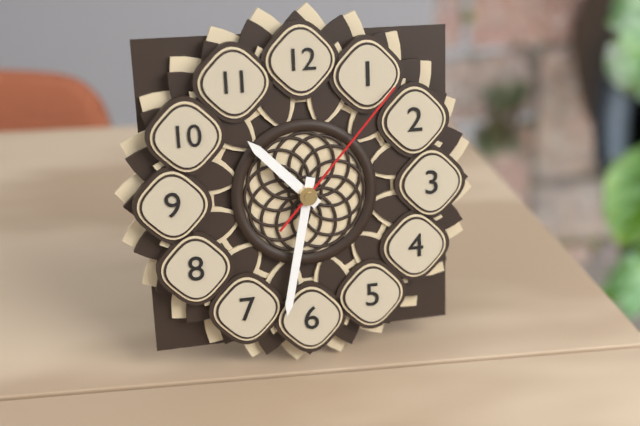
10:32:07
